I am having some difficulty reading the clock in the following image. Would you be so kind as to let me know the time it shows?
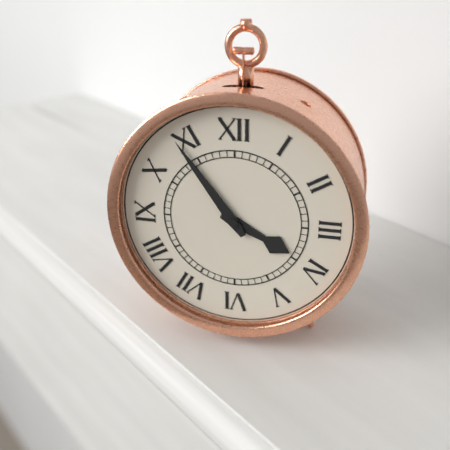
3:54
